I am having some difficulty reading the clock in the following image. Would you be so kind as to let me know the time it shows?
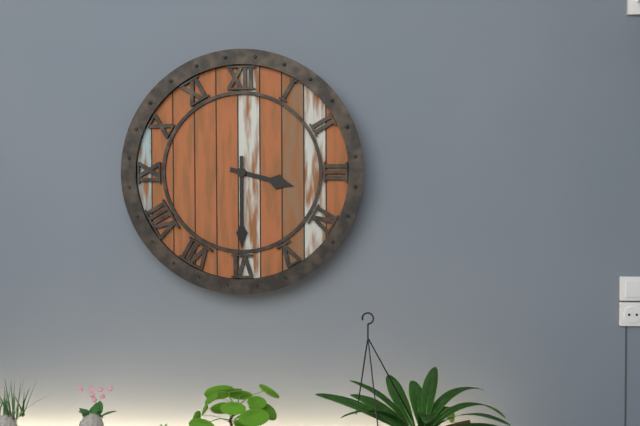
3:30
